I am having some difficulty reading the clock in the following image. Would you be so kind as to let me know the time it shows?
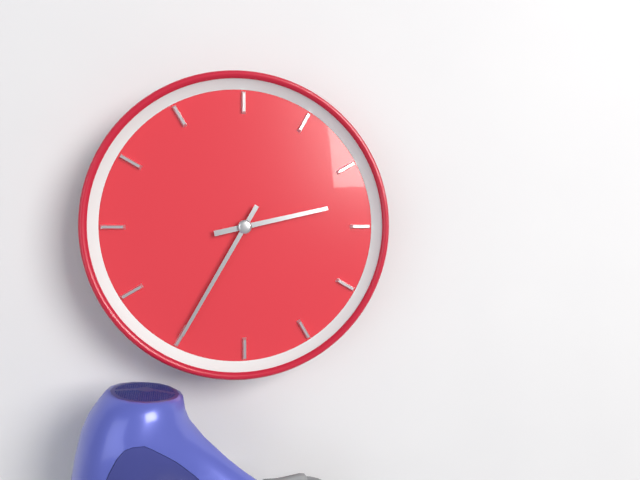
2:35
